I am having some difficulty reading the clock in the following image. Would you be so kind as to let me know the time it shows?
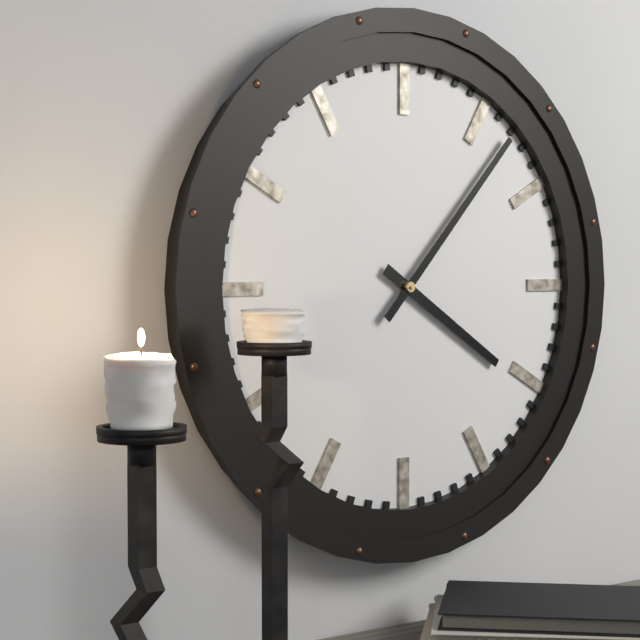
4:07
